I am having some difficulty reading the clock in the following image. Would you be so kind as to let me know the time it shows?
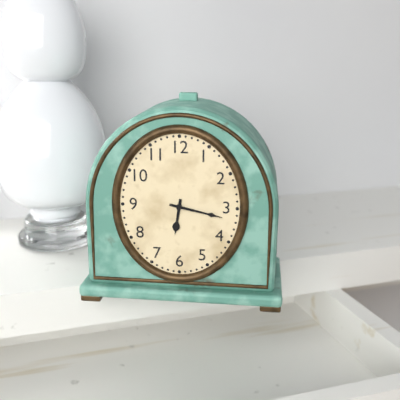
6:17
